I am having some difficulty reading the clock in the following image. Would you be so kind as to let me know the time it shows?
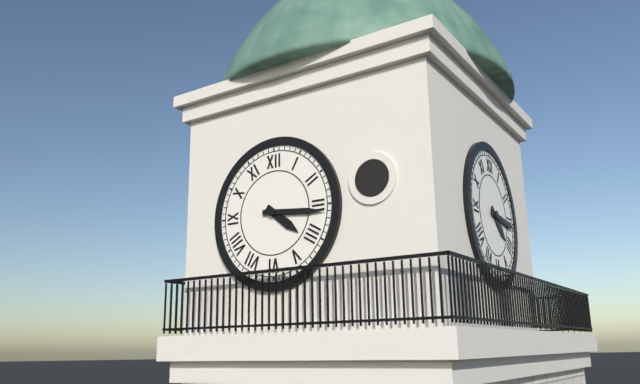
4:16
